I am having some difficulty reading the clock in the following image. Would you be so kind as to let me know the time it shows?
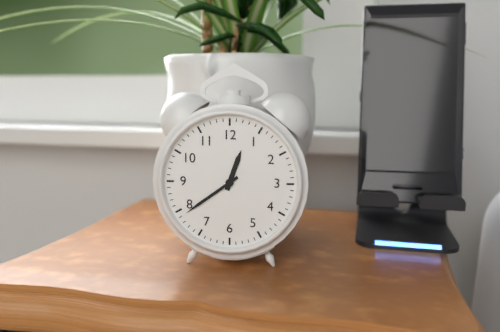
12:39
